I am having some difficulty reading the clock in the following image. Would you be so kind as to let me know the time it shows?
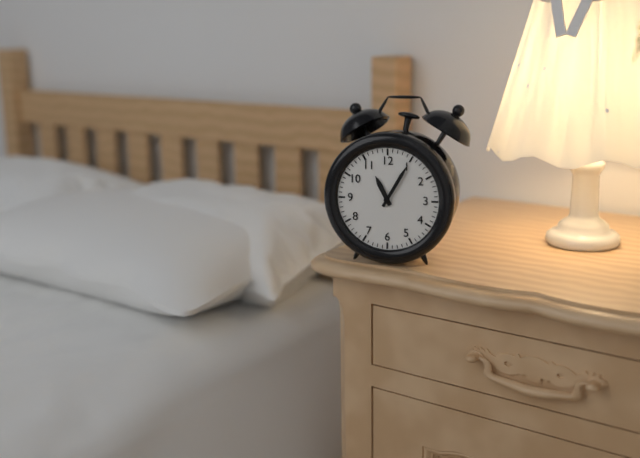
11:05
